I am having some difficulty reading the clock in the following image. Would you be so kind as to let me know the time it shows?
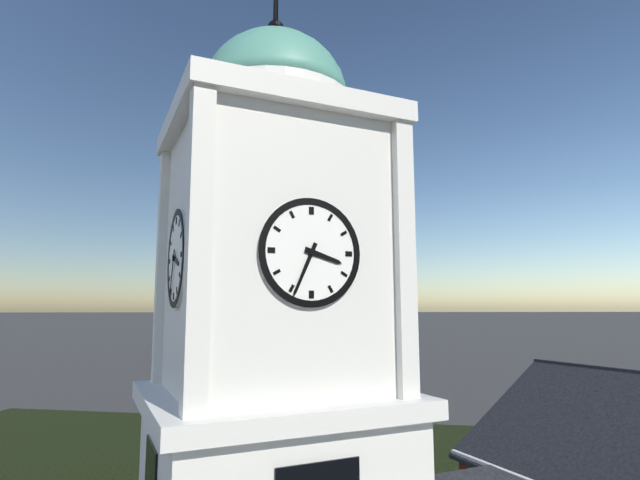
3:34
